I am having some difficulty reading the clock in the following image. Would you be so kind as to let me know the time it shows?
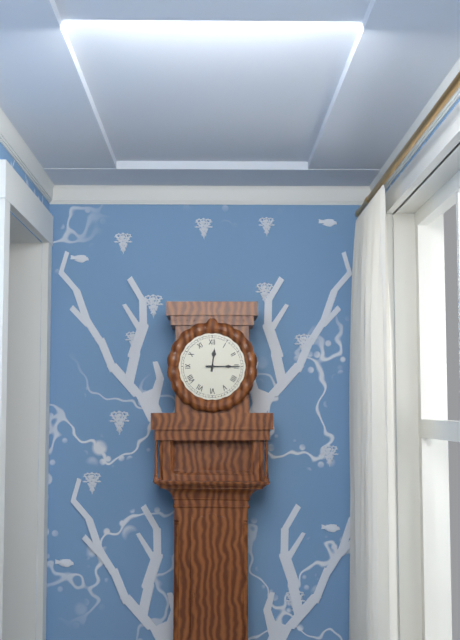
12:15
